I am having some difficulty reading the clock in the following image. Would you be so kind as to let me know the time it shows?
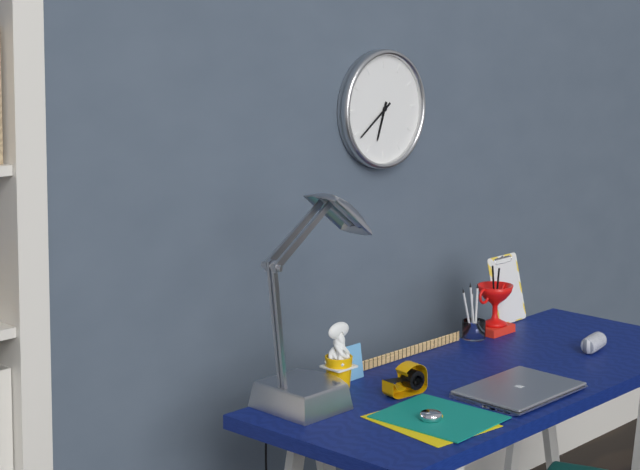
6:39
